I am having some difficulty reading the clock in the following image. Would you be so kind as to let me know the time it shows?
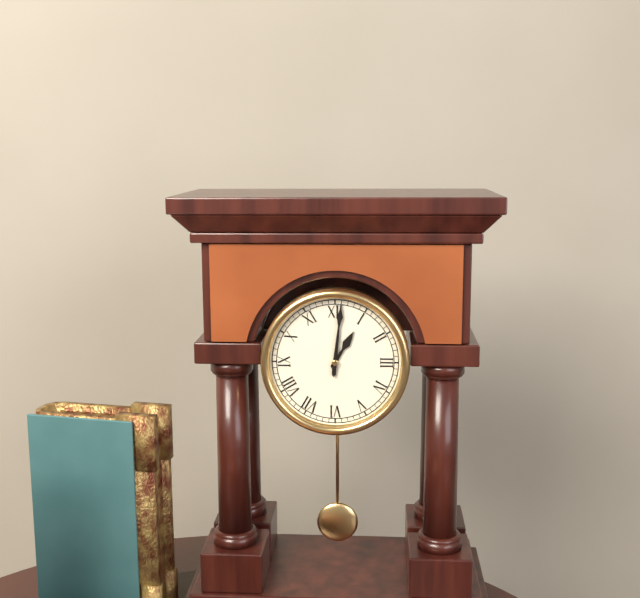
1:01
